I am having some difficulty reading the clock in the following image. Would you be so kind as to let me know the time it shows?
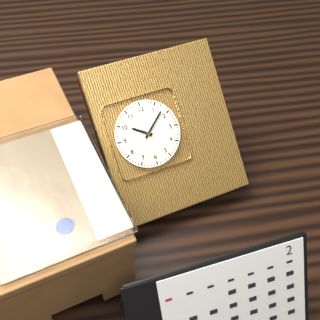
10:08
